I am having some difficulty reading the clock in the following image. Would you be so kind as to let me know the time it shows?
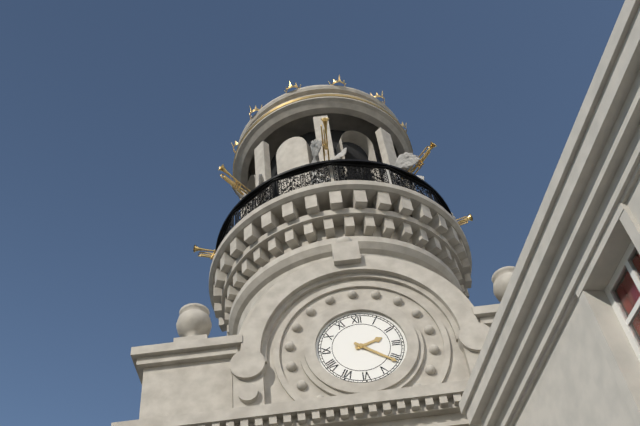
2:21
